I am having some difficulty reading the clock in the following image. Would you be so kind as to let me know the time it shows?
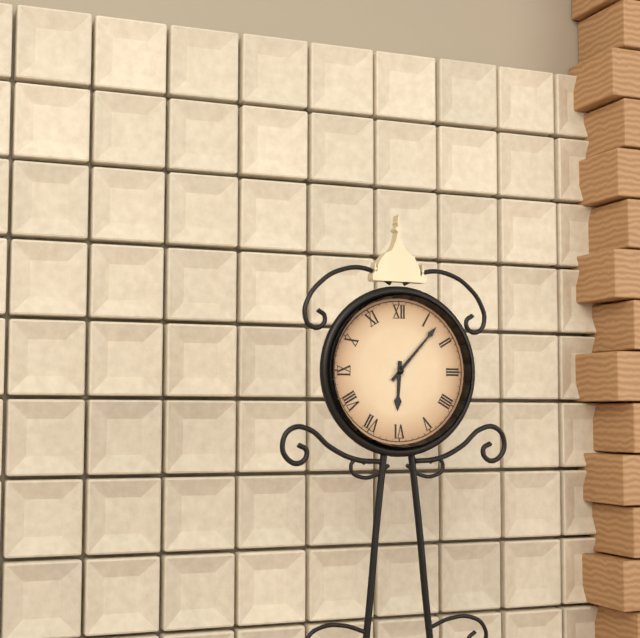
6:07
